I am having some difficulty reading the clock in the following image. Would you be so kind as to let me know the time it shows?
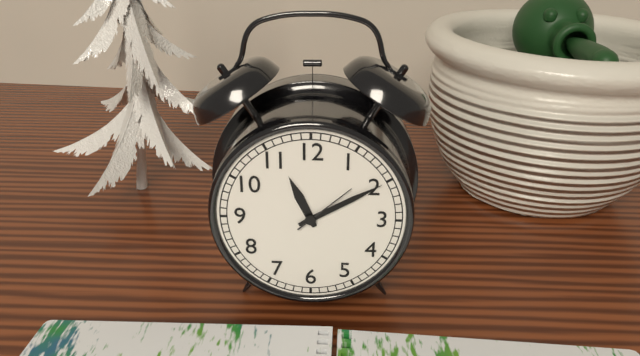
11:10:08
